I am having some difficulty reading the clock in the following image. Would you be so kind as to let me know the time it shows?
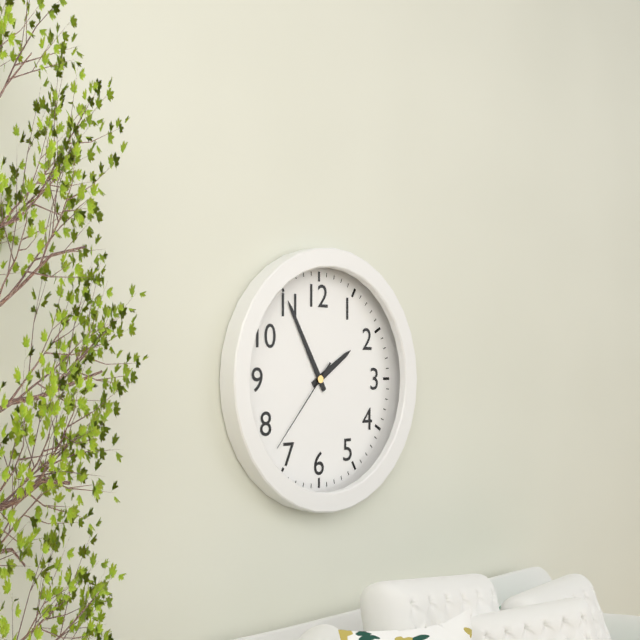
1:55:37
